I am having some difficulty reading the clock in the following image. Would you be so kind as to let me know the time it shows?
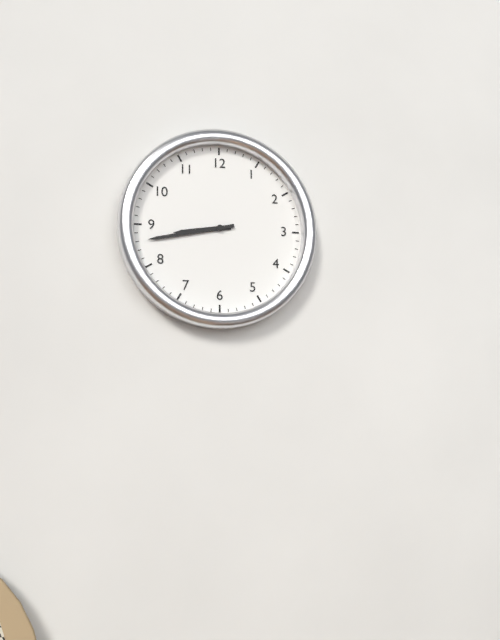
8:43
